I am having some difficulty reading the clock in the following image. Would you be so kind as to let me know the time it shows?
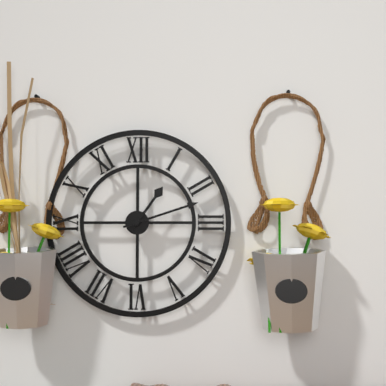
1:12
